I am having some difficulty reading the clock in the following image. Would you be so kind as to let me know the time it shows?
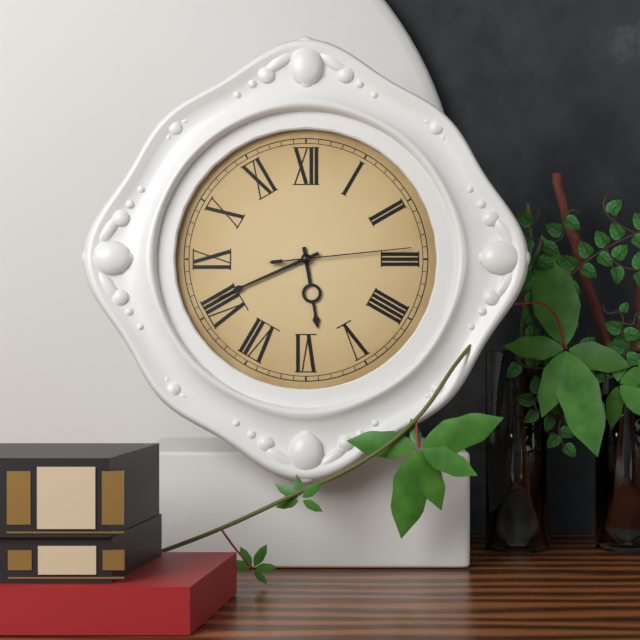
5:41:14
